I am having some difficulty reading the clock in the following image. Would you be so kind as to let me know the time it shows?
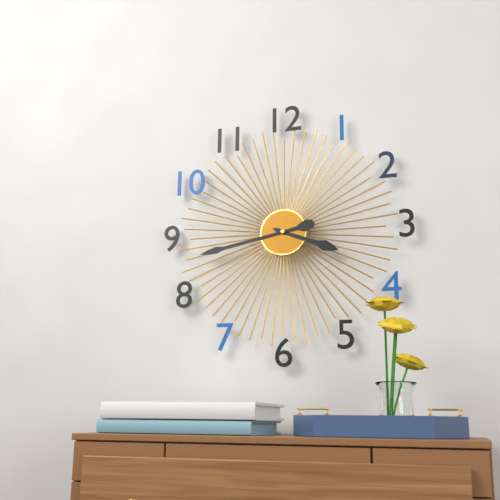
3:43
